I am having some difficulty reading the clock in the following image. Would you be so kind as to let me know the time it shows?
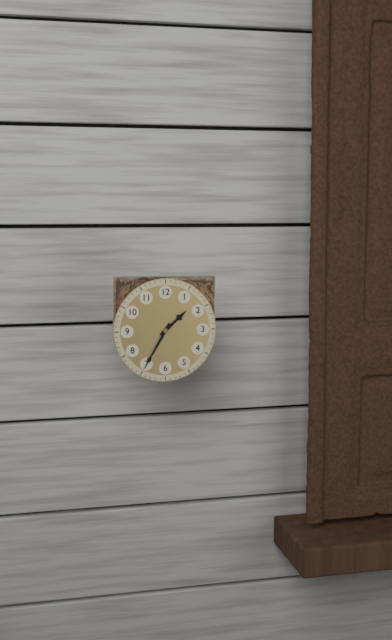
1:35
